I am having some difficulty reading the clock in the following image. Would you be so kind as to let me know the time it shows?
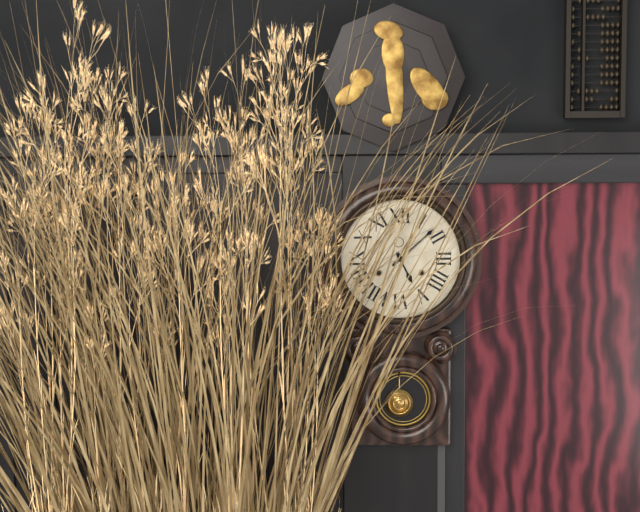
5:08
